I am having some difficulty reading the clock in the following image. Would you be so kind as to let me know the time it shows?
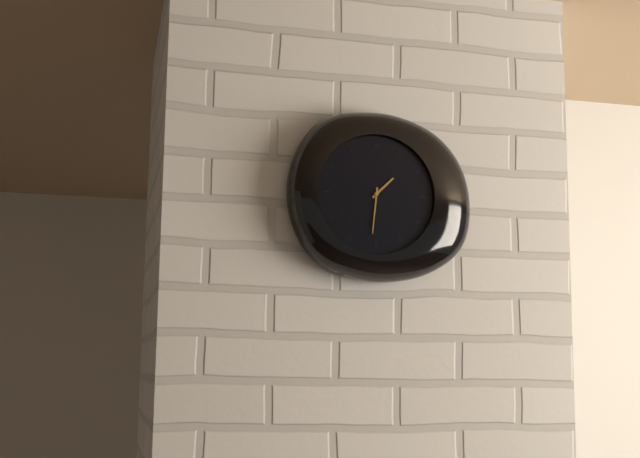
1:31
